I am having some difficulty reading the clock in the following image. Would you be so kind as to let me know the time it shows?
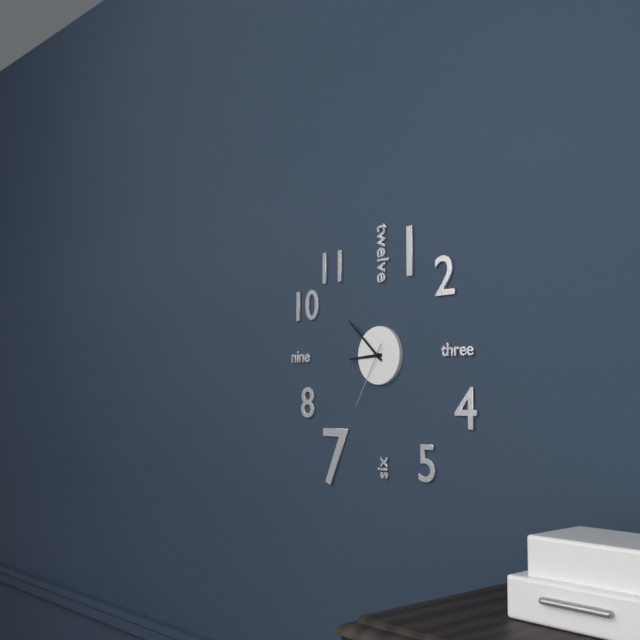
8:52:35
